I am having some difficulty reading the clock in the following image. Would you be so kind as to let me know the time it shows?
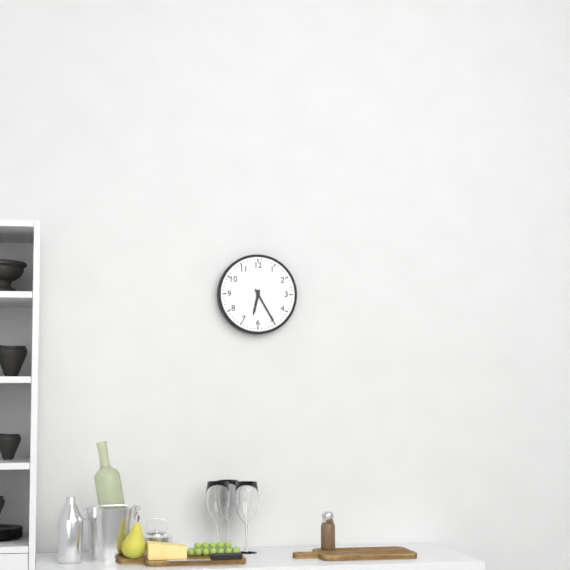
6:25
